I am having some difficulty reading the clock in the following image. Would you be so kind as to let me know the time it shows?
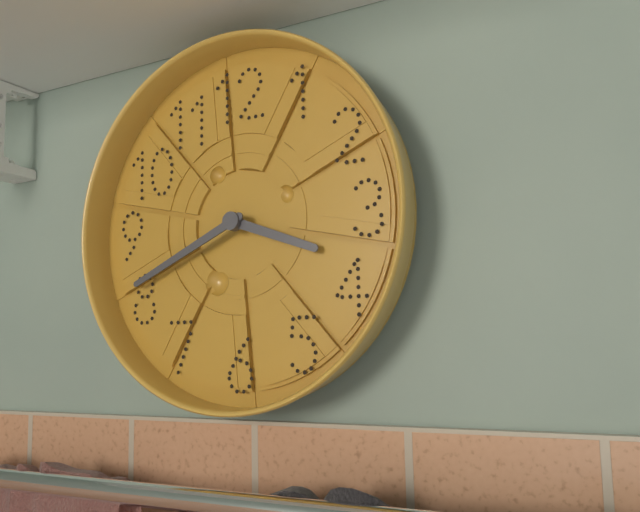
3:41
